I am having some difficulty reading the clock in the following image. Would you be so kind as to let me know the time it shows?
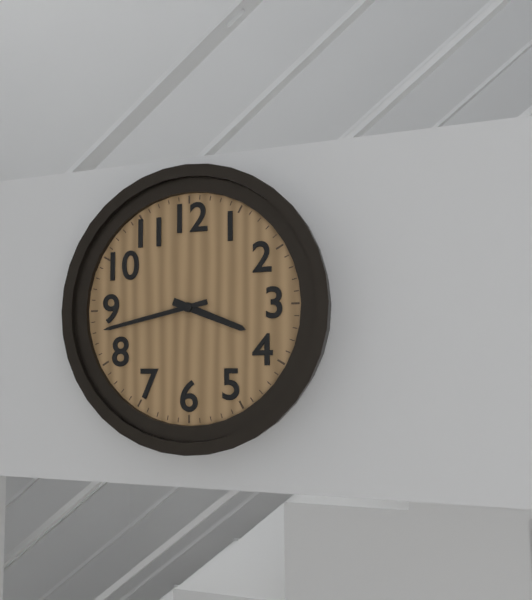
3:43
